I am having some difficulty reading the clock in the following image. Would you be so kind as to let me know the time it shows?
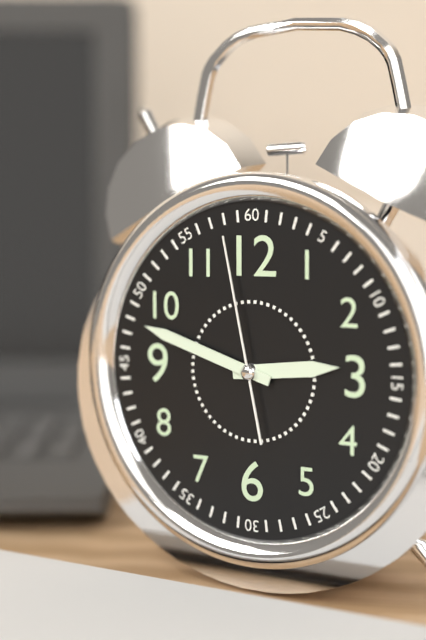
2:48:58
